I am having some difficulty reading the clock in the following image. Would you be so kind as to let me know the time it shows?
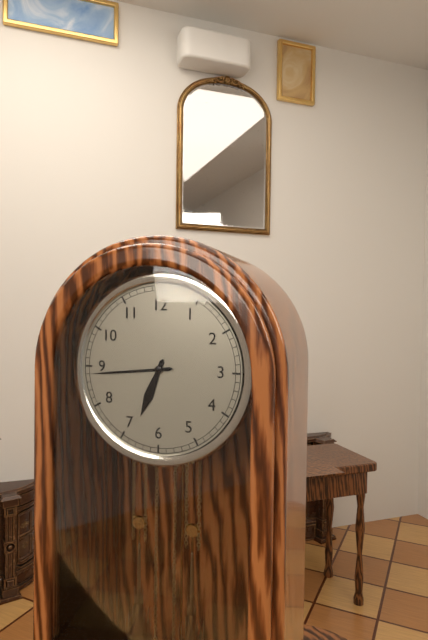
6:44
